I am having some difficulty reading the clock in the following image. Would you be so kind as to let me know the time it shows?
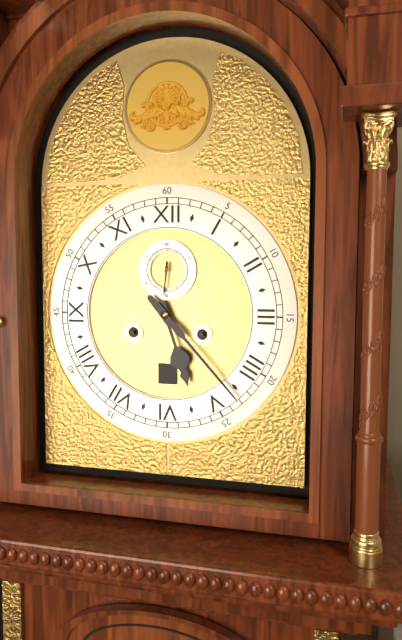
5:23
